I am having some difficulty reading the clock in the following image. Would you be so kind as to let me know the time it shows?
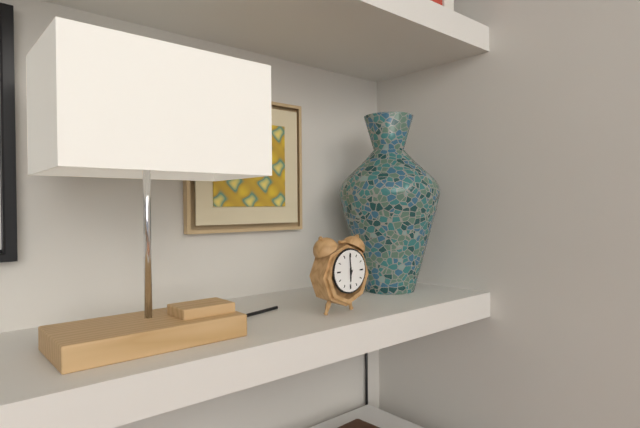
5:59
